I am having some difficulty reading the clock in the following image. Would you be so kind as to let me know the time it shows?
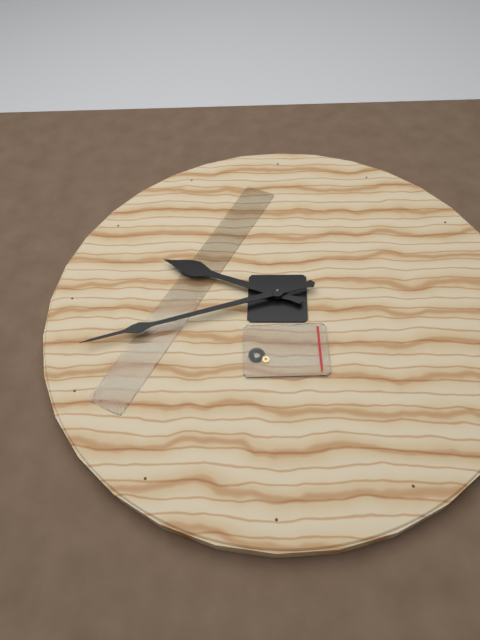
9:42
